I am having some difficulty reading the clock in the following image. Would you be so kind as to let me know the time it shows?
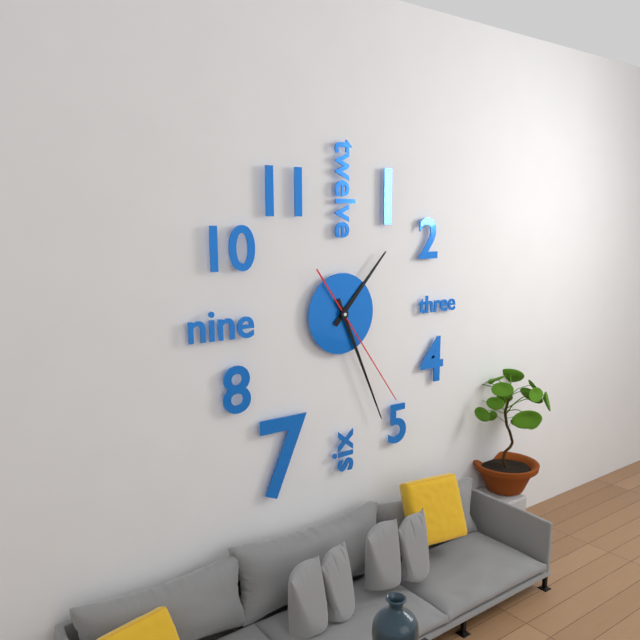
1:26:24
